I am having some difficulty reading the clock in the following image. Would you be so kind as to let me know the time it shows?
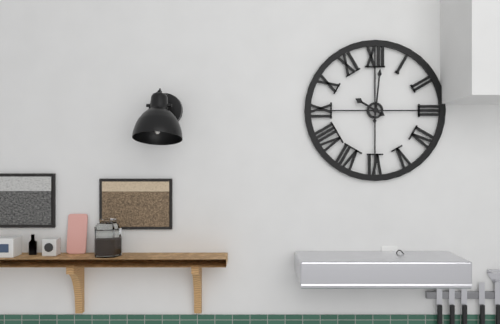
10:01
